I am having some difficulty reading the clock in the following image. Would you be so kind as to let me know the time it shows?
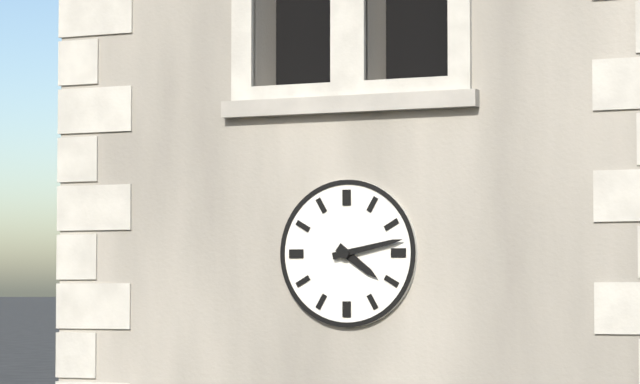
4:13
